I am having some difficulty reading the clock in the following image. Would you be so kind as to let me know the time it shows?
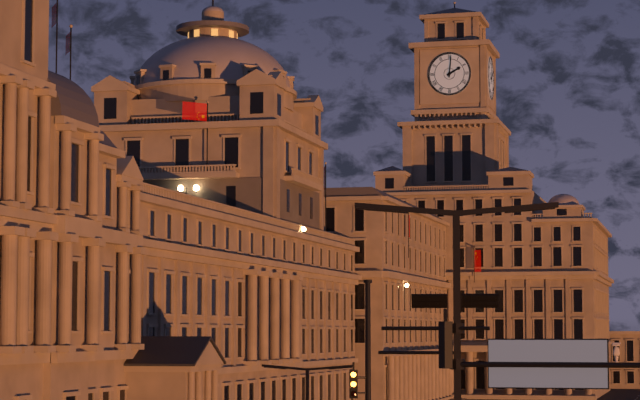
2:01
